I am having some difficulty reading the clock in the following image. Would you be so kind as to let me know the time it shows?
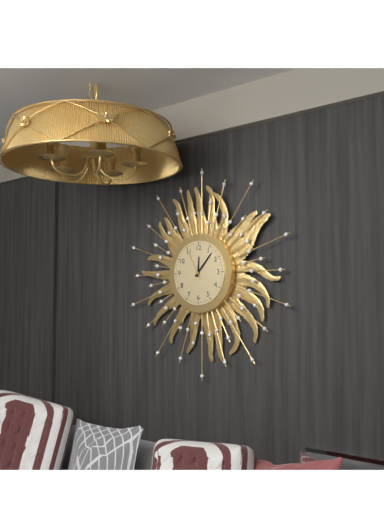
12:07
